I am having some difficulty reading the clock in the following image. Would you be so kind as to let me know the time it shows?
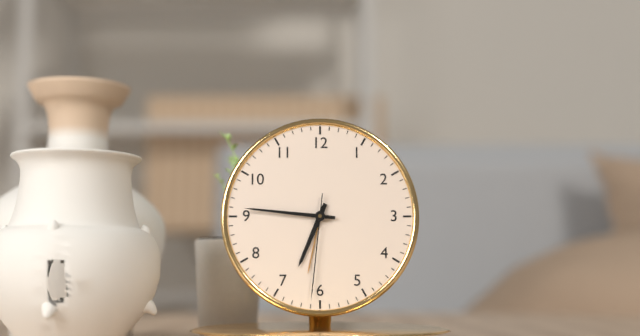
6:46:31
